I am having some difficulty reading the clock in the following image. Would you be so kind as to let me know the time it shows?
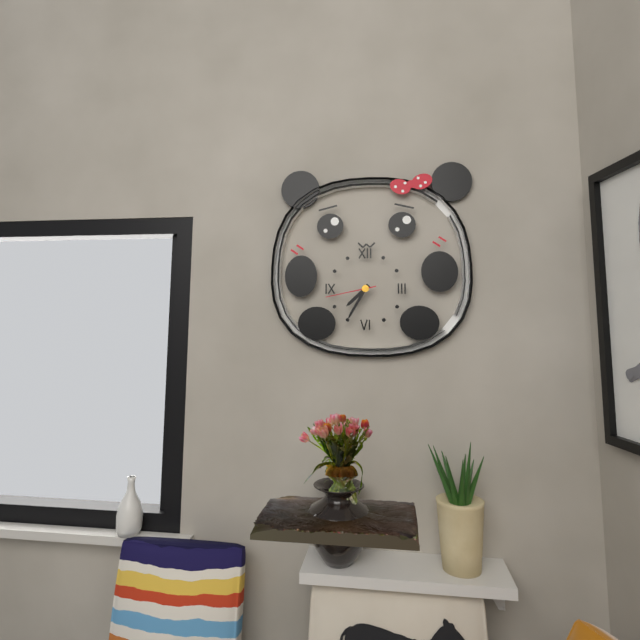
7:35:43
